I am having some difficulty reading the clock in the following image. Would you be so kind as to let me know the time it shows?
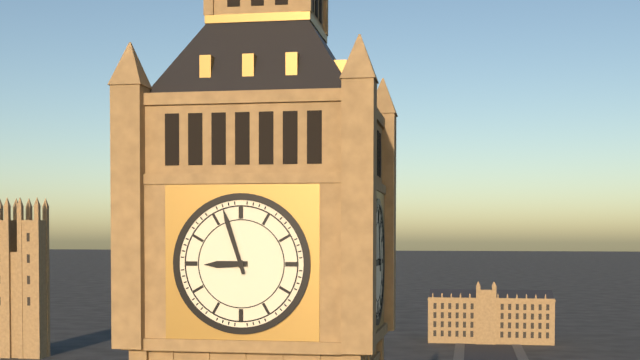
8:57
